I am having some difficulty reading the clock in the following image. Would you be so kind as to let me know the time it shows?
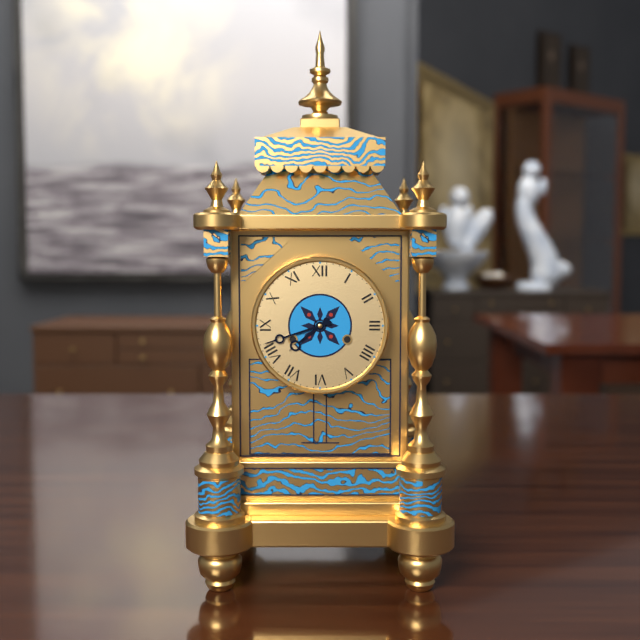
7:42
